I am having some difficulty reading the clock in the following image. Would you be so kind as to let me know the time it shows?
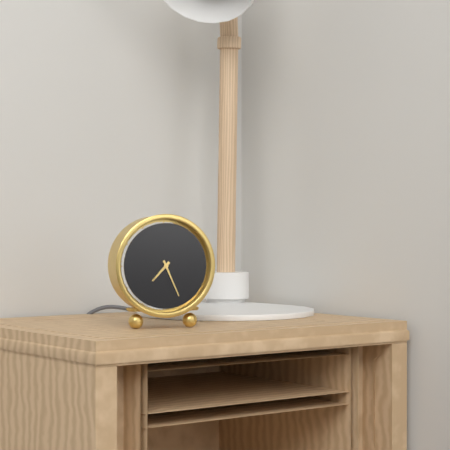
7:26
